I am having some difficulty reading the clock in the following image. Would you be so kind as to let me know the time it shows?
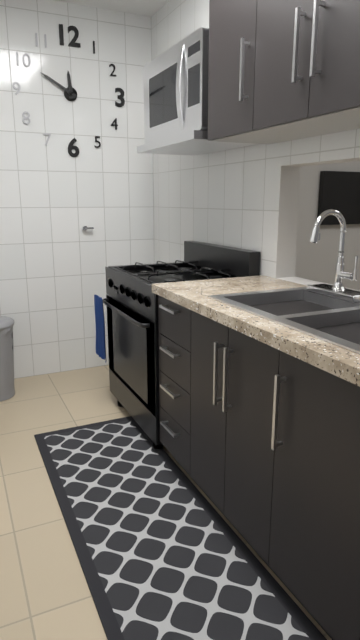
11:50
